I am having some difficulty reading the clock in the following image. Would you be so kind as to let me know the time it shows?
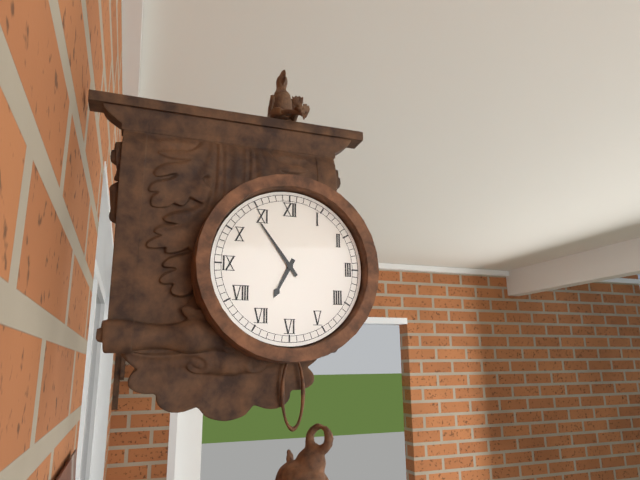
6:54
